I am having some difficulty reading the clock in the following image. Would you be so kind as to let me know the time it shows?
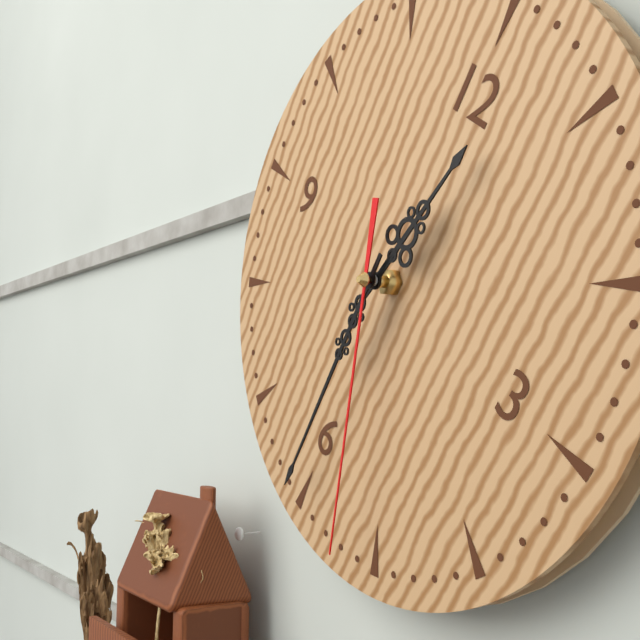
12:30:26
